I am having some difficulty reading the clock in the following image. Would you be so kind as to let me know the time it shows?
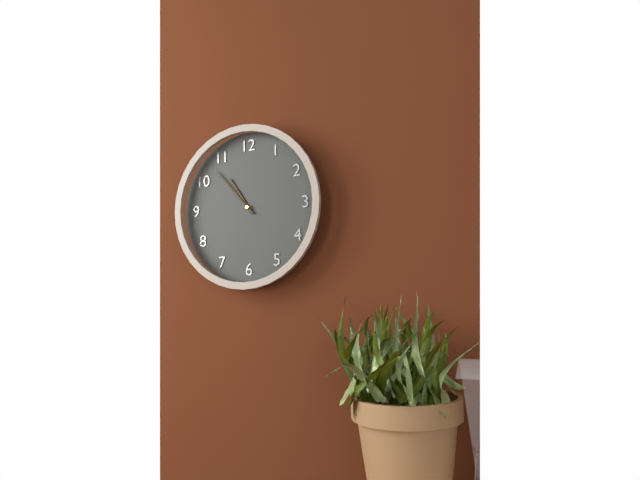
10:53
